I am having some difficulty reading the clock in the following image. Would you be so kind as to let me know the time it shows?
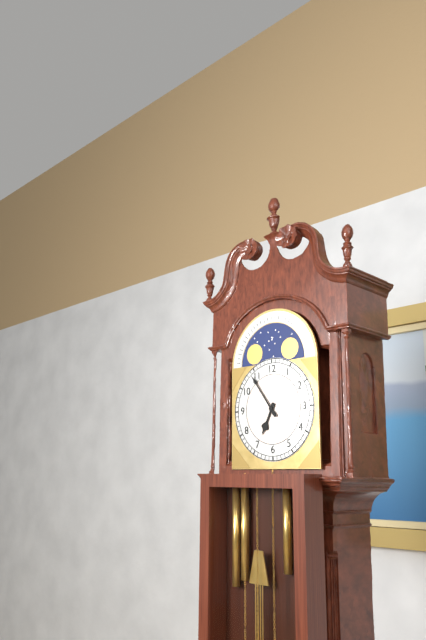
6:54
